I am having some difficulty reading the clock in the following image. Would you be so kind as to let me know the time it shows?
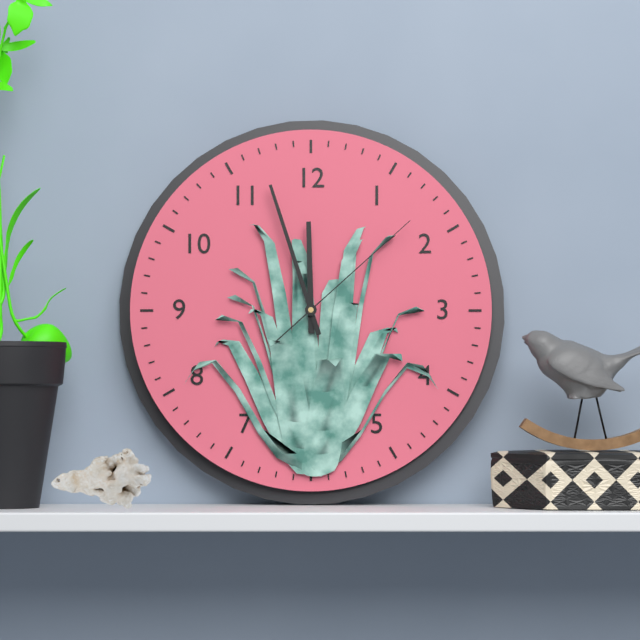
11:57:08
